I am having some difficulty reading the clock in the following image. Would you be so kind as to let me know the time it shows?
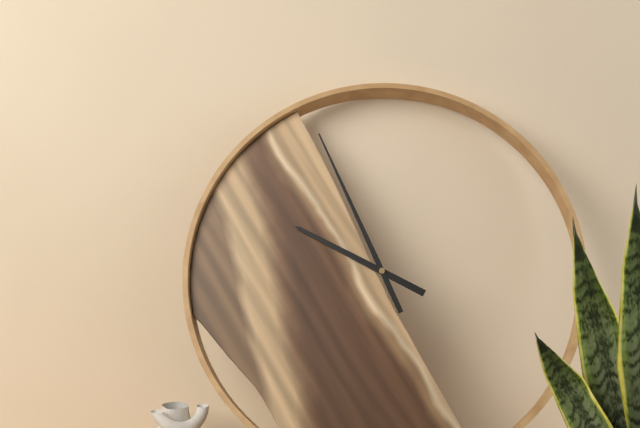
9:56
